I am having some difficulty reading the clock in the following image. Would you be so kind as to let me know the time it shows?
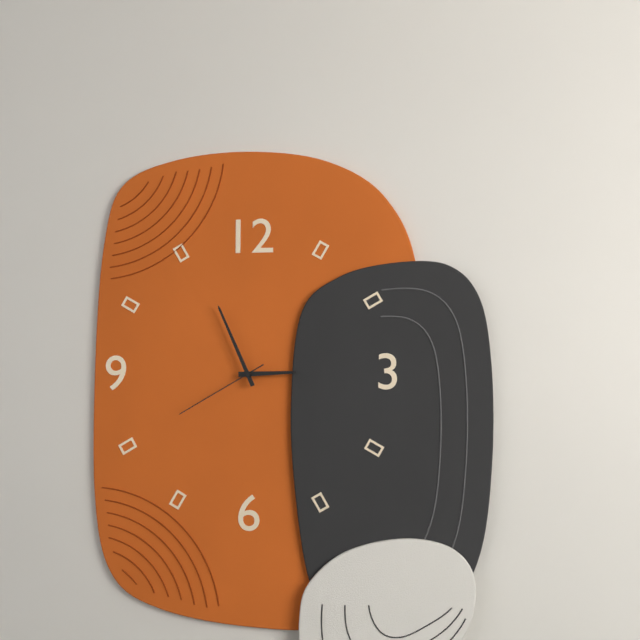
2:56:40
